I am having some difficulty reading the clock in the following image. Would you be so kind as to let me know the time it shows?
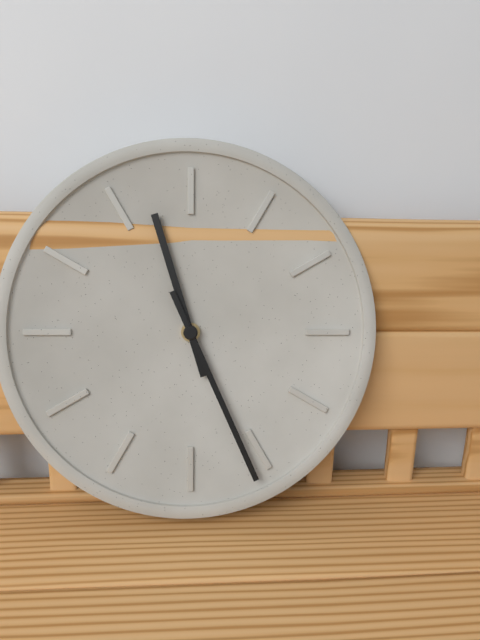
11:26
